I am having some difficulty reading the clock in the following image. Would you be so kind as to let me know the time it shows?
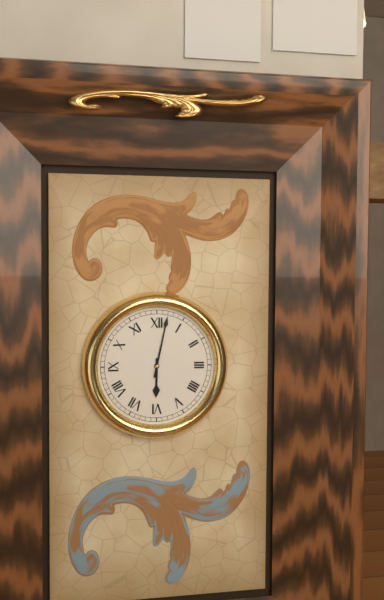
6:02
